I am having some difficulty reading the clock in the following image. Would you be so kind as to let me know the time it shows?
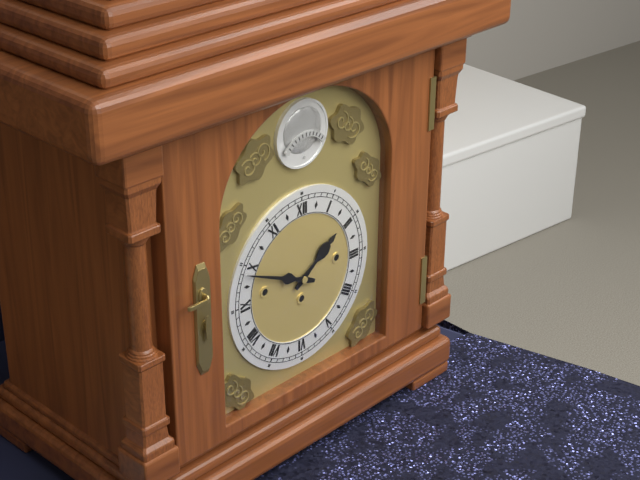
1:49
